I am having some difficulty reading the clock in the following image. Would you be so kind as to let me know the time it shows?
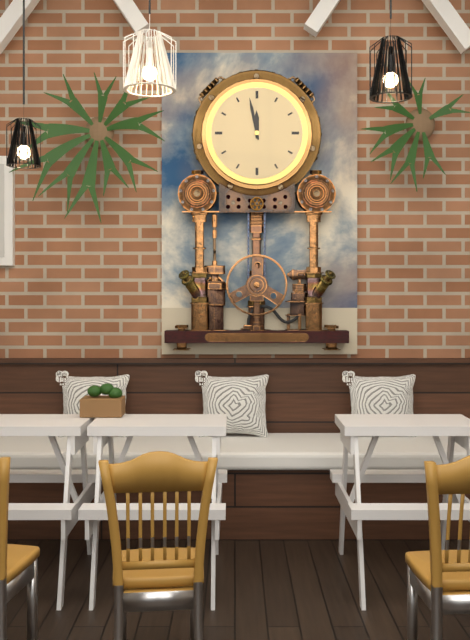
11:58
